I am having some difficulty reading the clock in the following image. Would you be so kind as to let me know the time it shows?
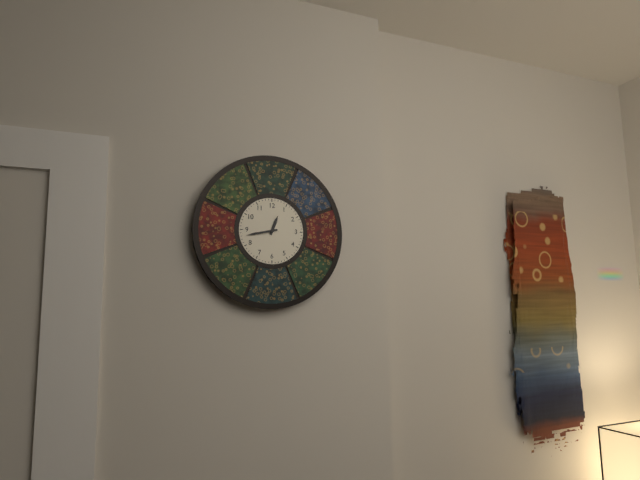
12:43
